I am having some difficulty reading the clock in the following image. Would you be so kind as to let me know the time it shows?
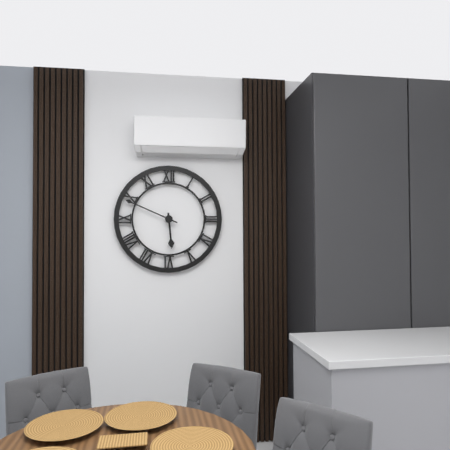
5:49
